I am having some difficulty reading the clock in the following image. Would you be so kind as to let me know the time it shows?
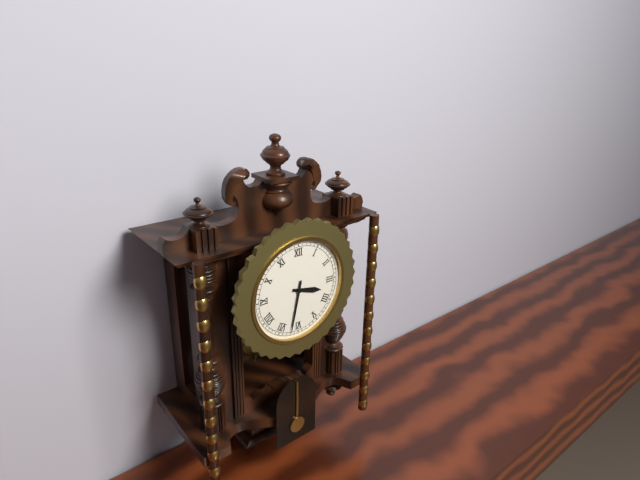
3:32
